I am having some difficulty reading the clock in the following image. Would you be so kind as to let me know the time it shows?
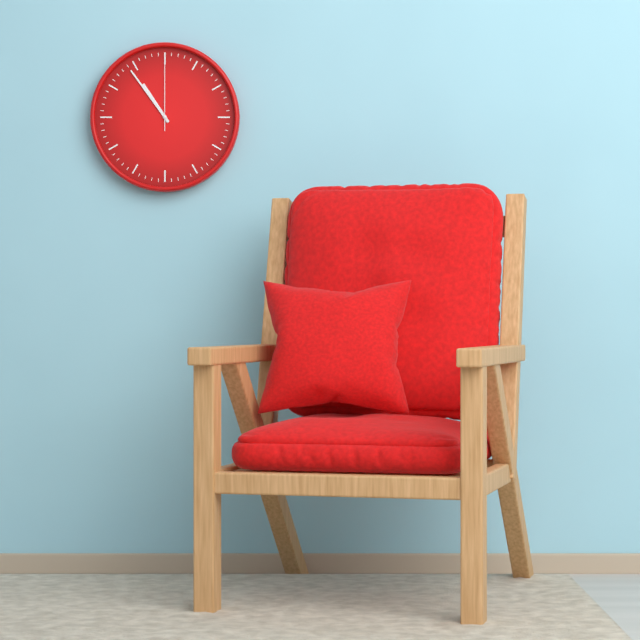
10:54:00
